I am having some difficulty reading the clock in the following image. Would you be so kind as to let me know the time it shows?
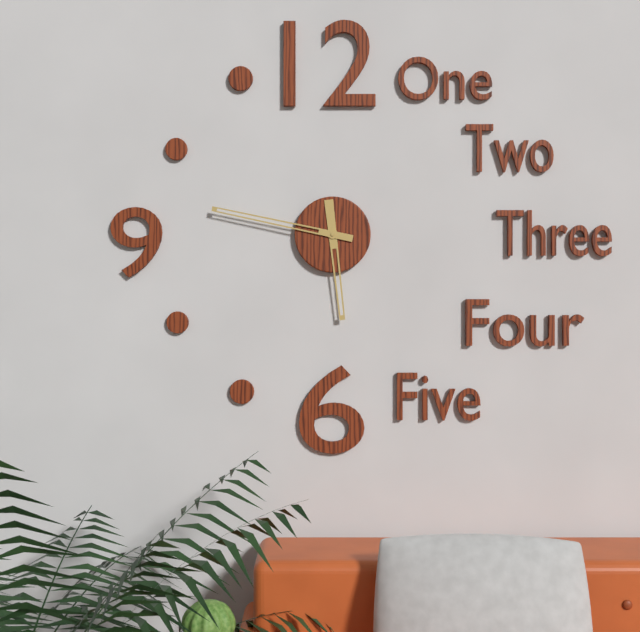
5:47
